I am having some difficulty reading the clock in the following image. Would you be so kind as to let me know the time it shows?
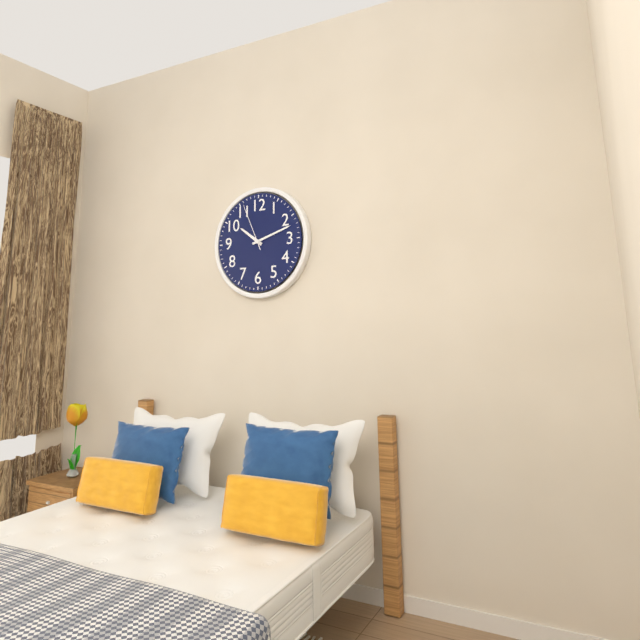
10:12
